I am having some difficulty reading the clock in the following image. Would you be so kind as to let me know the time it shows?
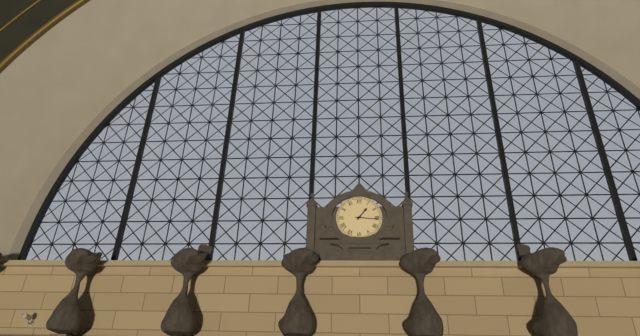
1:16
